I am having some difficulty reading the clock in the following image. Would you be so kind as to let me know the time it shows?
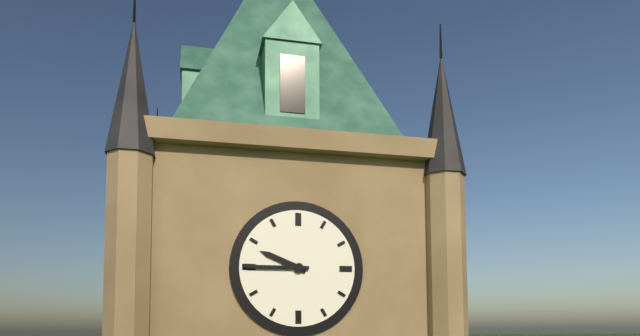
9:45
